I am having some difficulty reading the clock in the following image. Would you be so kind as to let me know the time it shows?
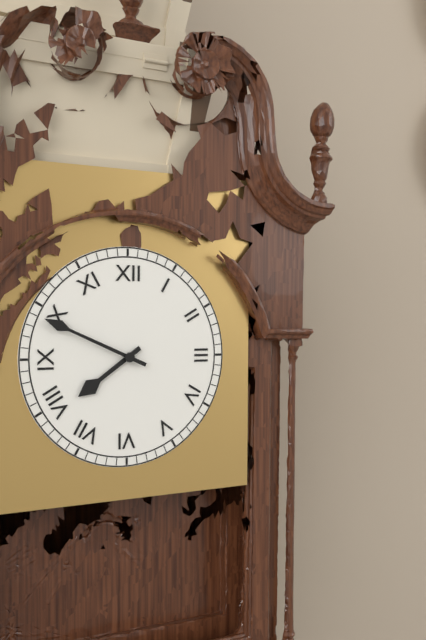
7:49
